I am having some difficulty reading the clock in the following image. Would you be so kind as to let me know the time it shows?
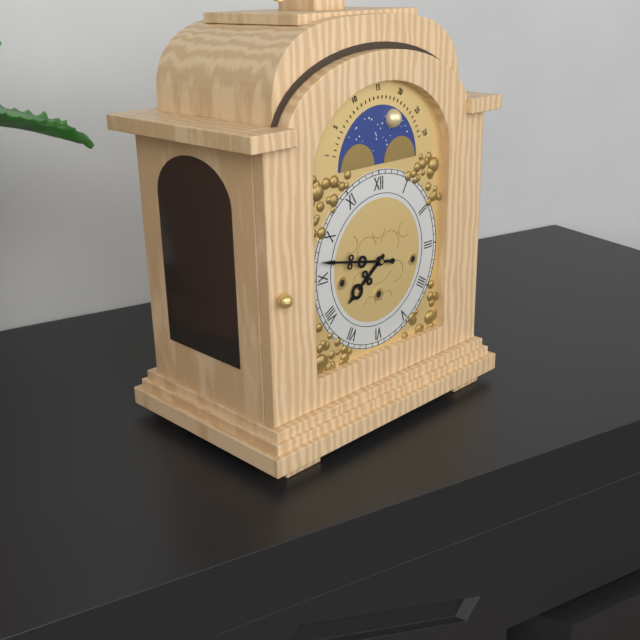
7:47
